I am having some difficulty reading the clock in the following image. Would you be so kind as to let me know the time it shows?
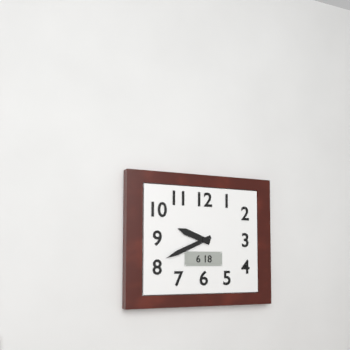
9:41
